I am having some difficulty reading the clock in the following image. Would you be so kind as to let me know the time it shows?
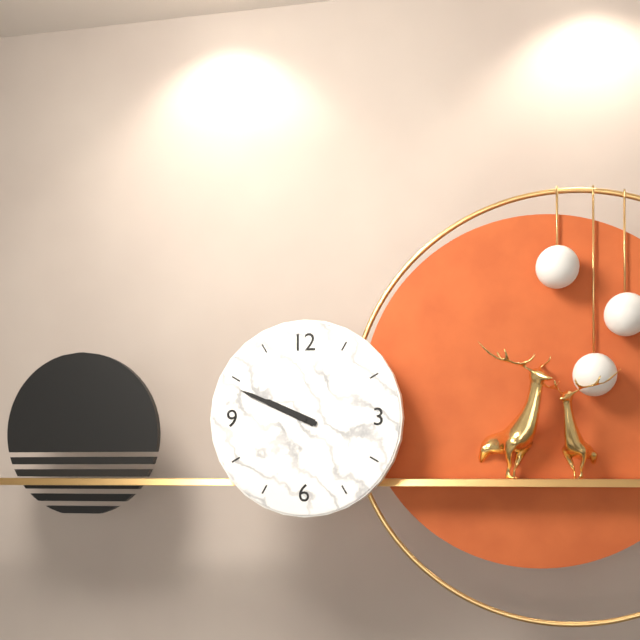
9:49
